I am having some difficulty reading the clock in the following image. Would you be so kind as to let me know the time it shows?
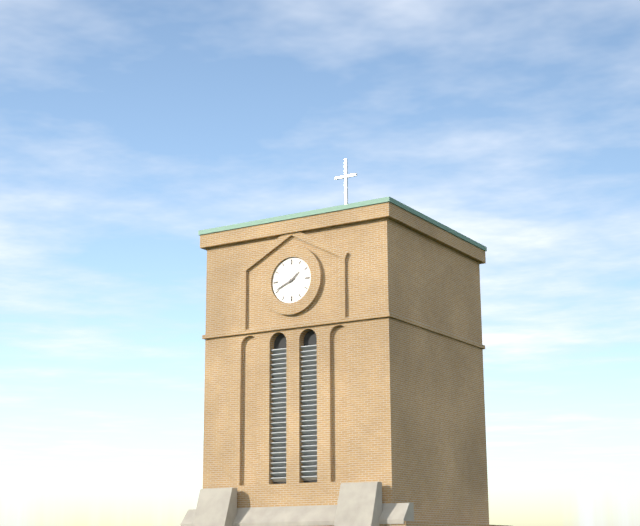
1:41
